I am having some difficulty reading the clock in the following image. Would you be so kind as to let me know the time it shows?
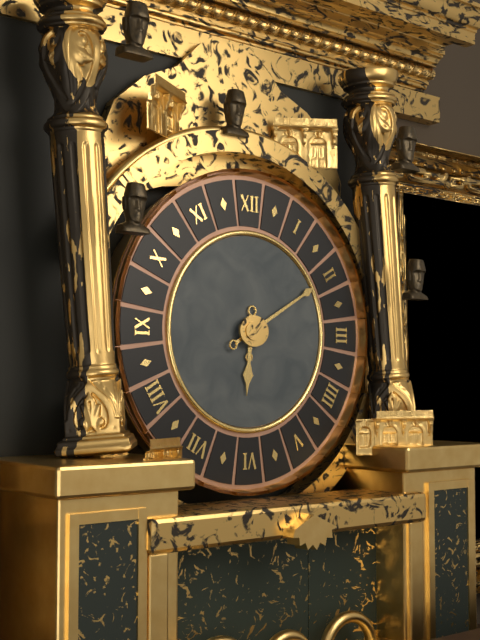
6:10
